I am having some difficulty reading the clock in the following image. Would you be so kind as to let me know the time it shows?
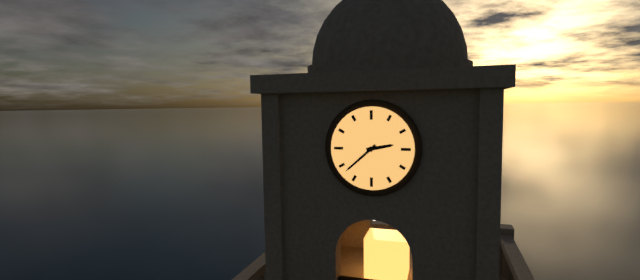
2:38
